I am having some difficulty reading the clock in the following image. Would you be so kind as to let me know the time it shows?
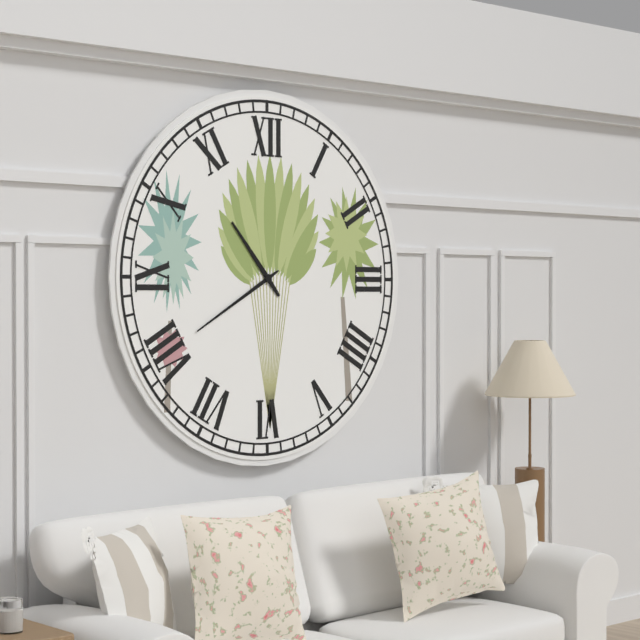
10:40
